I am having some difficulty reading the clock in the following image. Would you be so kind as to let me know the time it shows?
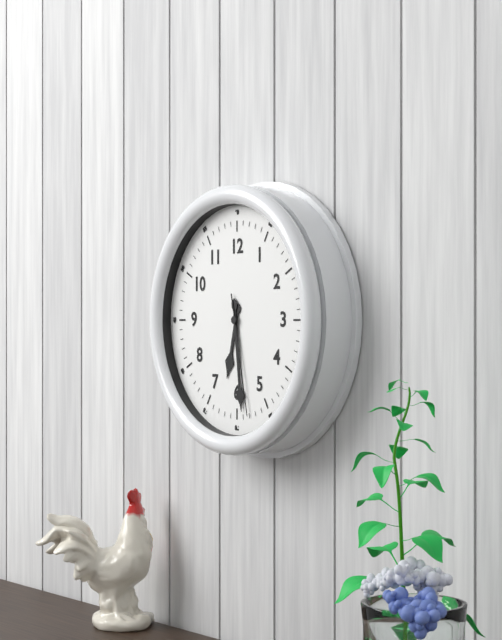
6:29:28
